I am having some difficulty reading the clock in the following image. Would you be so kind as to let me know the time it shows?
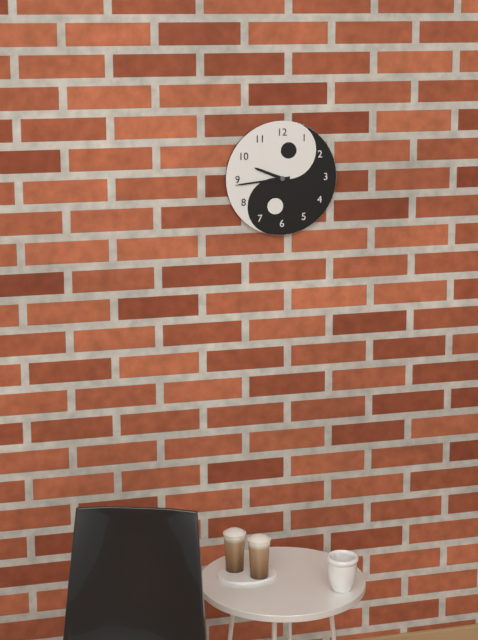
9:44
